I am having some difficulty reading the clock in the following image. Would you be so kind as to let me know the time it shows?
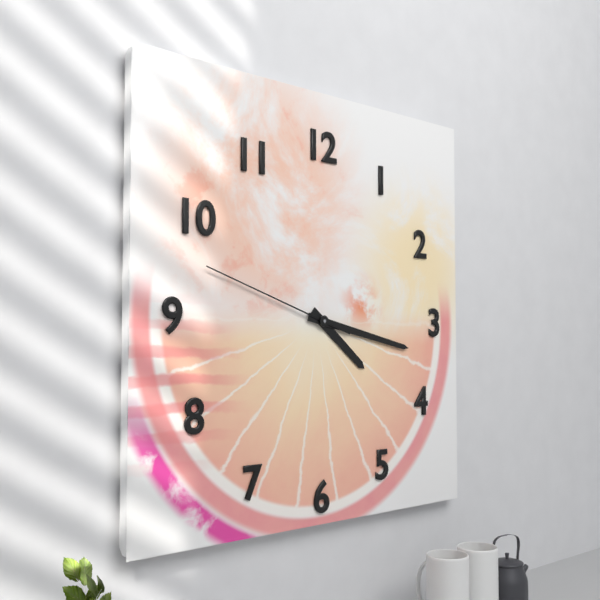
4:17:48
